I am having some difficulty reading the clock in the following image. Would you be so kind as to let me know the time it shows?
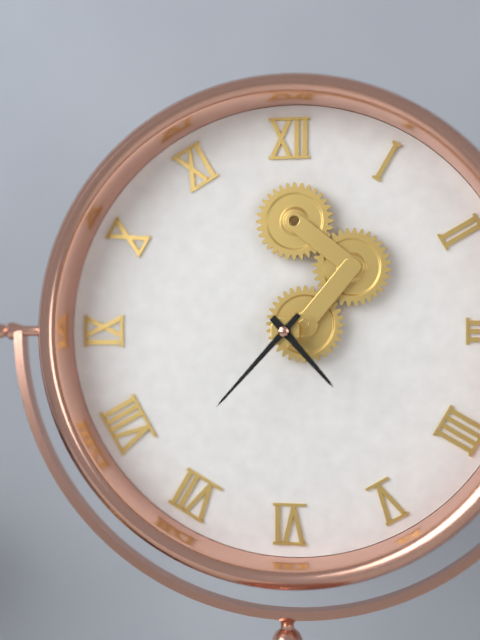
4:37
